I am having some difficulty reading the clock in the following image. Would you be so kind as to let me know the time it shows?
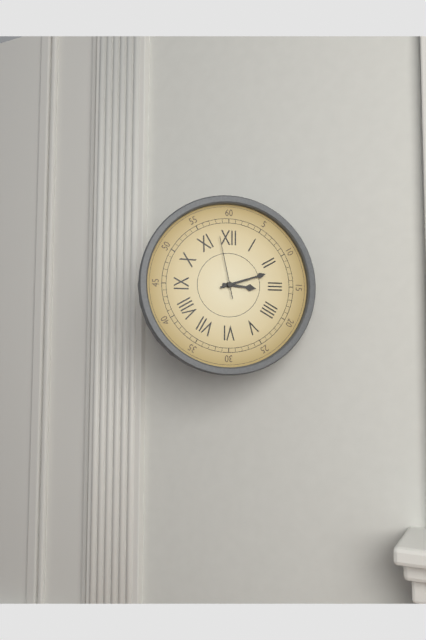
3:12:58
